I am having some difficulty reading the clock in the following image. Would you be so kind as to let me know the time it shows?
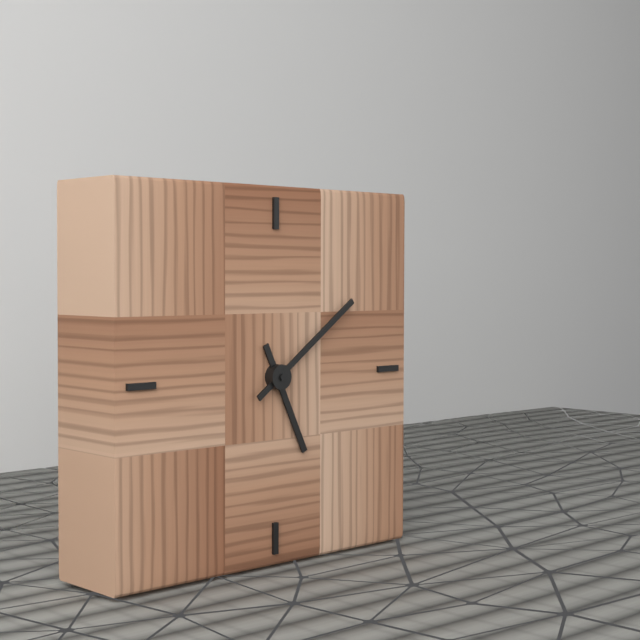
5:09
